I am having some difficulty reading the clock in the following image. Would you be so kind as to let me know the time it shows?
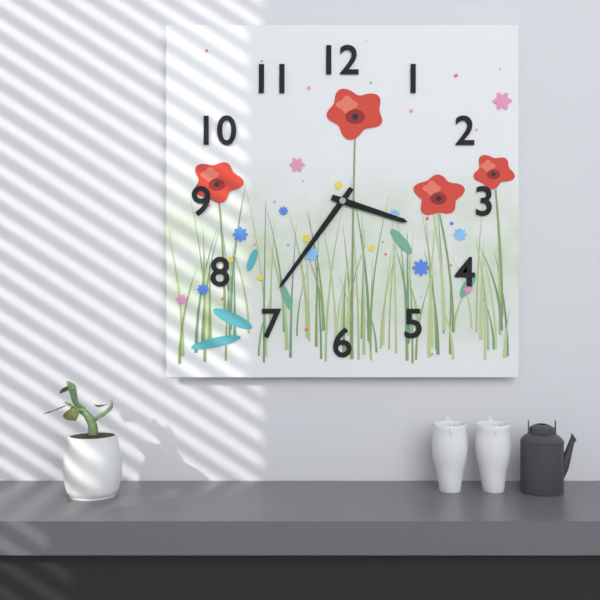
3:36
